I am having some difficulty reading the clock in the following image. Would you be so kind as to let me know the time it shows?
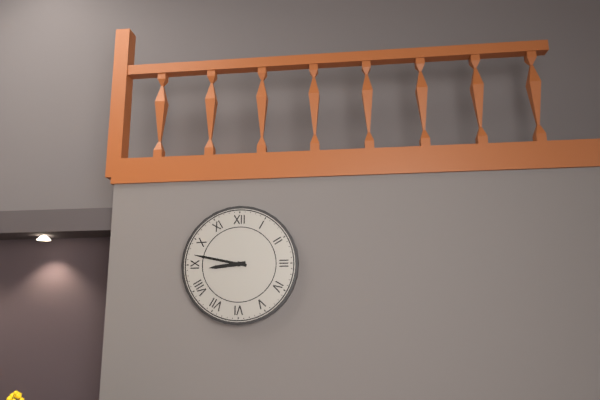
8:47
